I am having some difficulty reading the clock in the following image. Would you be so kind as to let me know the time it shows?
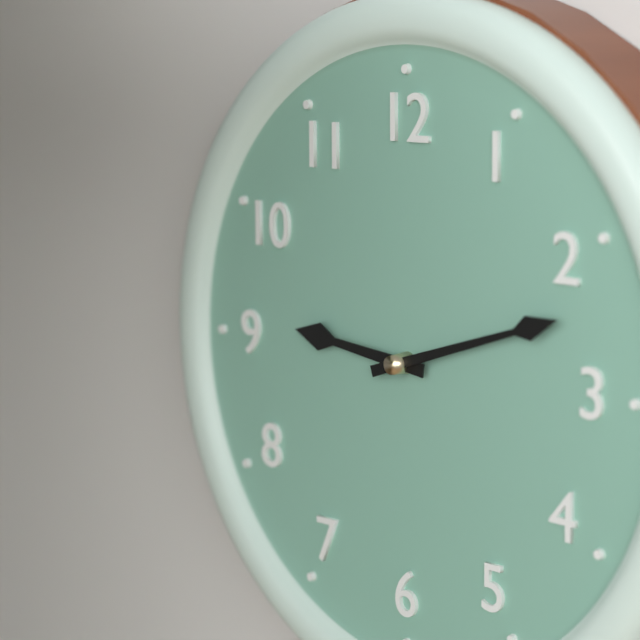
9:12
